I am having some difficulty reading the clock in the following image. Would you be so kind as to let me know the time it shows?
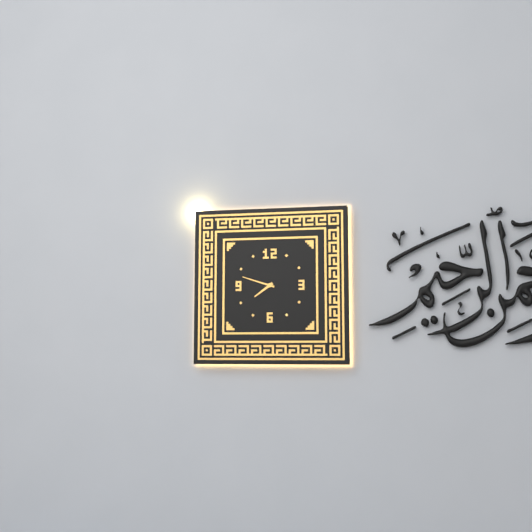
7:48
